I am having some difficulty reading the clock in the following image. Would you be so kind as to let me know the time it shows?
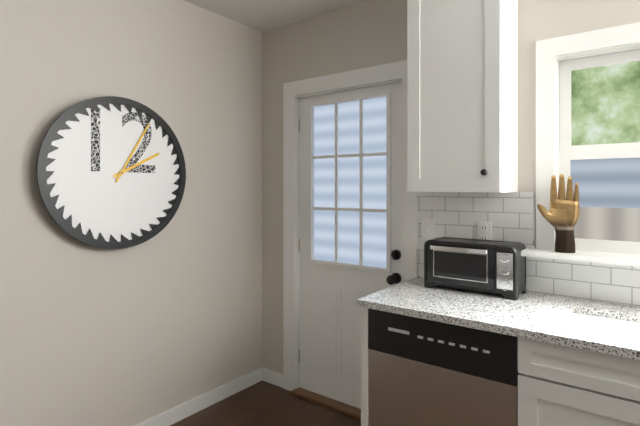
2:05
